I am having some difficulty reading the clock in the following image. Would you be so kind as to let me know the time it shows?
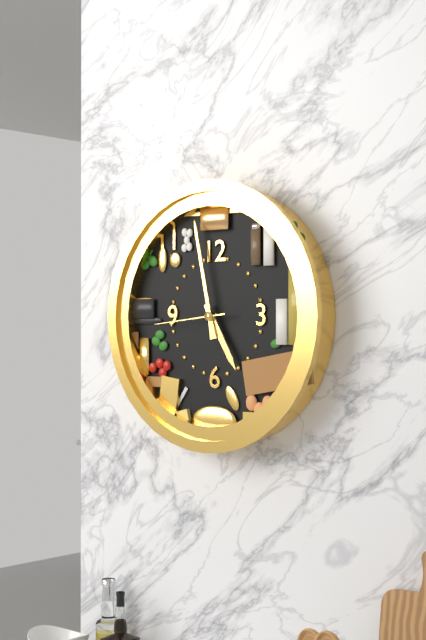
4:58:44
